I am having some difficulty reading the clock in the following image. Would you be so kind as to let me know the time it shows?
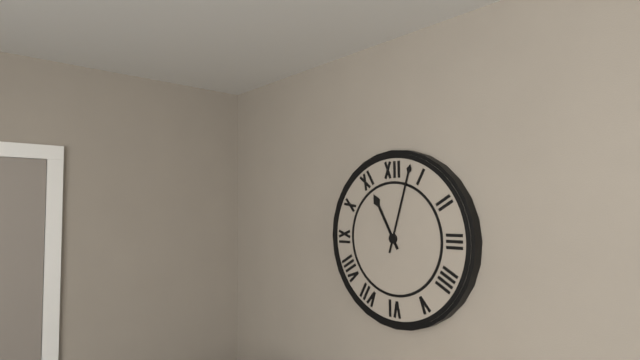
11:03
